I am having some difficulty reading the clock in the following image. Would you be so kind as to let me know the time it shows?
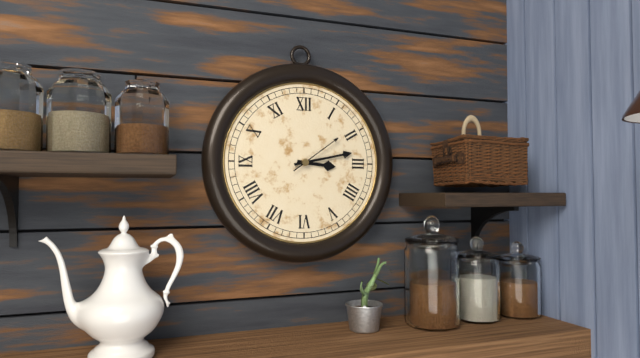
3:13:09
